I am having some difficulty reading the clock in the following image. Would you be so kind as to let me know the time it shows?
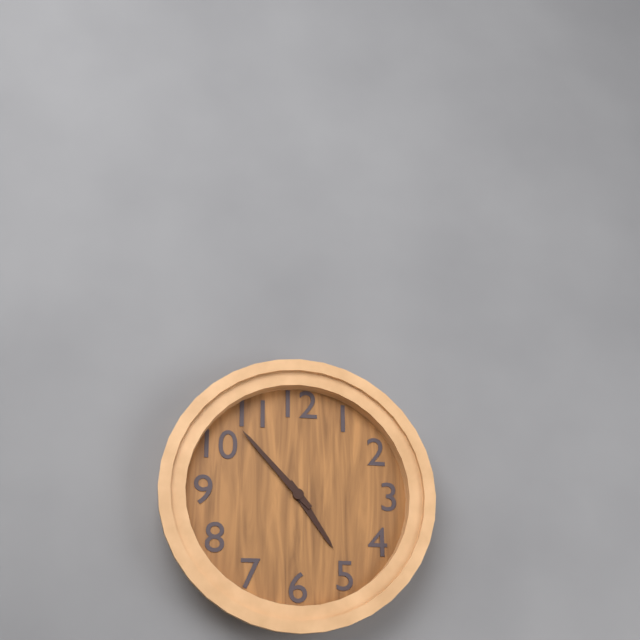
4:53
